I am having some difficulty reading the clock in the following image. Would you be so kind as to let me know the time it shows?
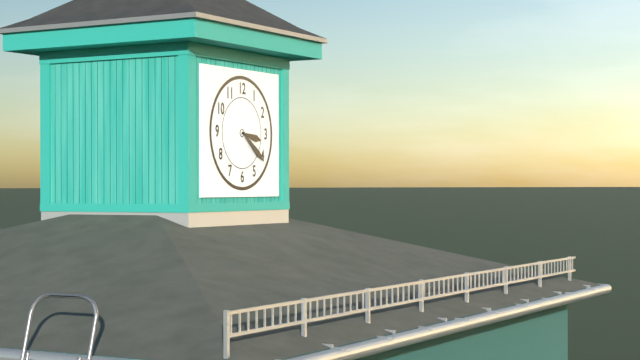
3:21
